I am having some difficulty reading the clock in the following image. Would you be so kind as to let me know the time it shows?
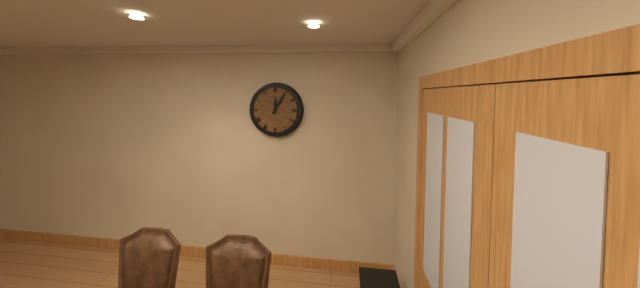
12:05
